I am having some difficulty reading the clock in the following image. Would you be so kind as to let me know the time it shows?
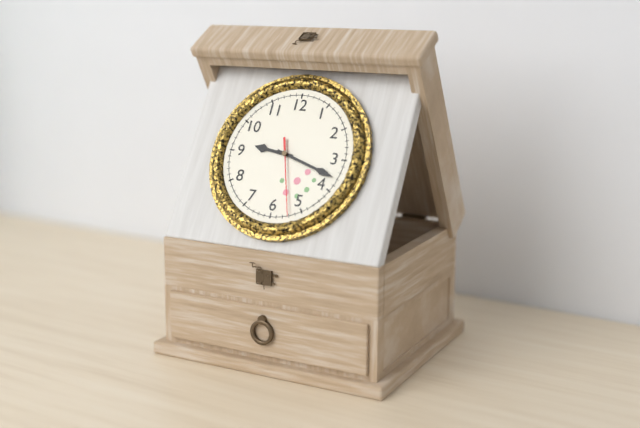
9:18:27
